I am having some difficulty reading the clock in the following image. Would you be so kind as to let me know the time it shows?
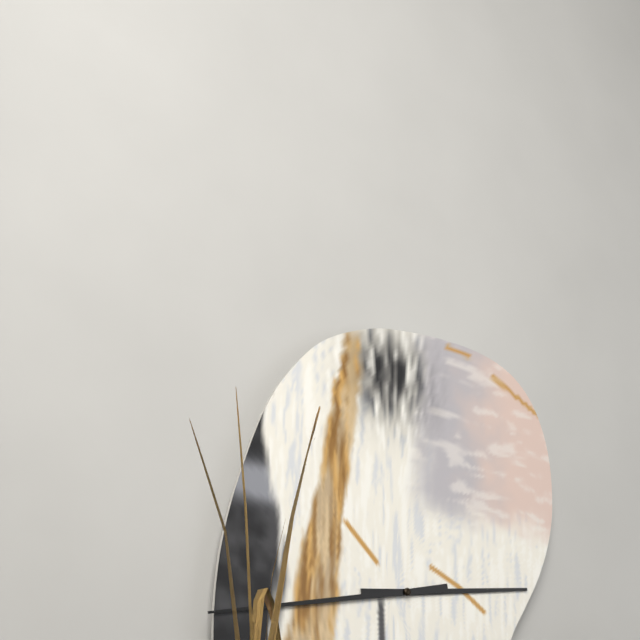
2:43
